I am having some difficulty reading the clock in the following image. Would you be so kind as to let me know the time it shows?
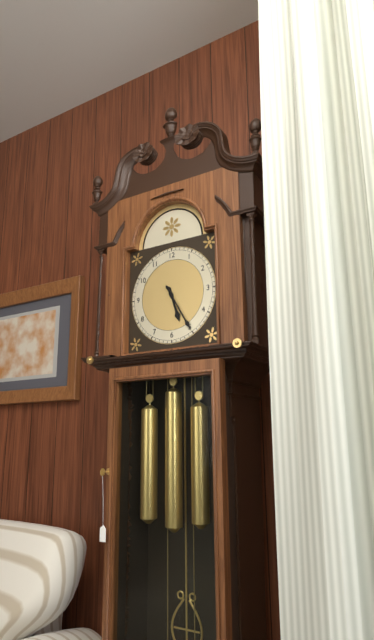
5:25
